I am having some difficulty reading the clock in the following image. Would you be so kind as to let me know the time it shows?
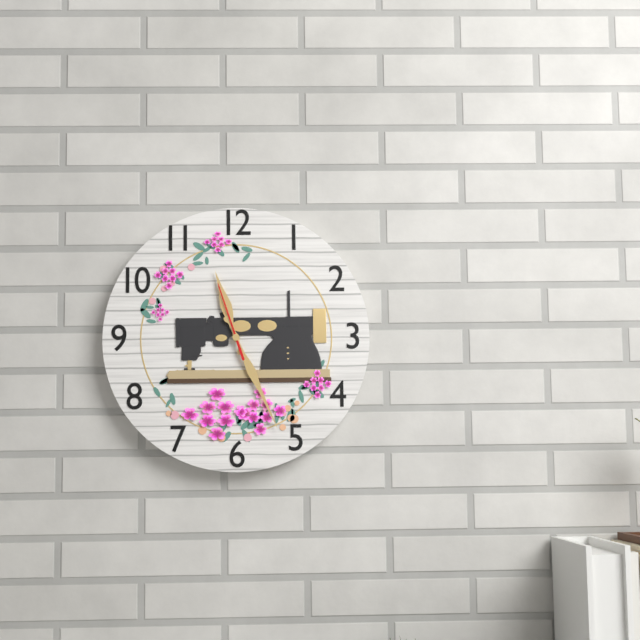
11:26:57
